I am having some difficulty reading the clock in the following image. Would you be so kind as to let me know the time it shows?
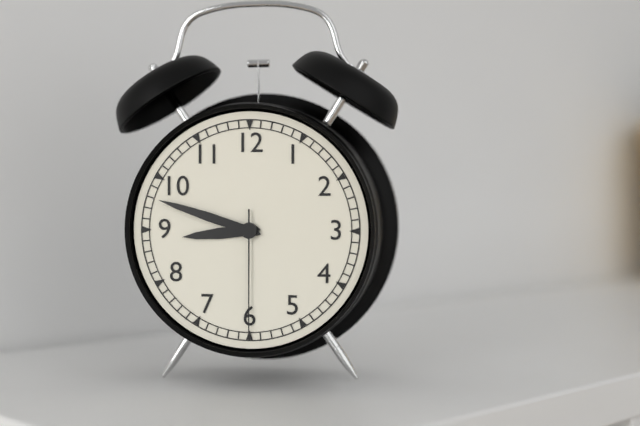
8:48:30
